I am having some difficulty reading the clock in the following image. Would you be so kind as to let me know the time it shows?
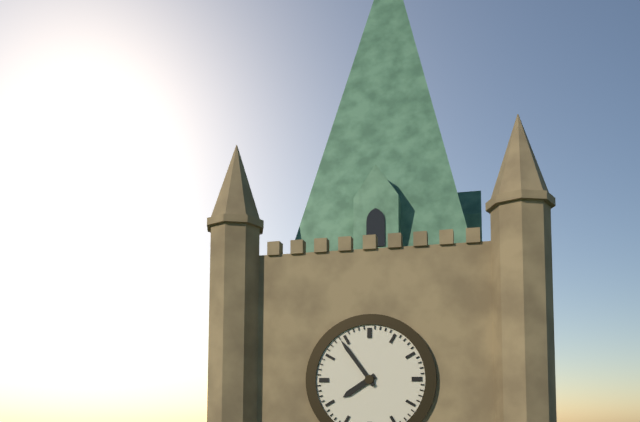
7:54
